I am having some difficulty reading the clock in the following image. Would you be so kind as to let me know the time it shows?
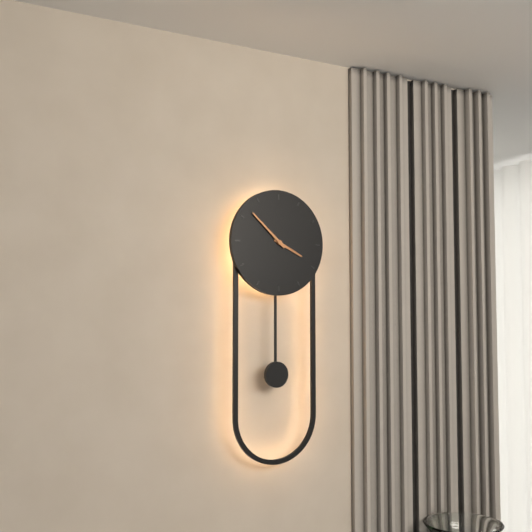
3:52
